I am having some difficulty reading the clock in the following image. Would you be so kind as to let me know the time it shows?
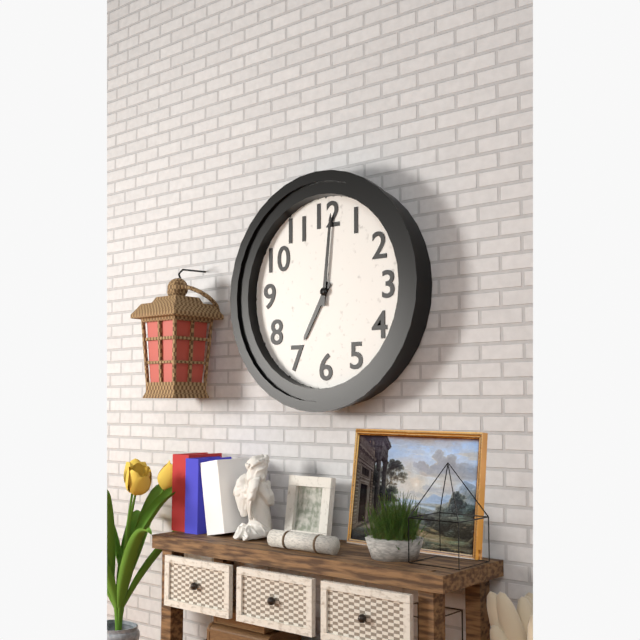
7:01
